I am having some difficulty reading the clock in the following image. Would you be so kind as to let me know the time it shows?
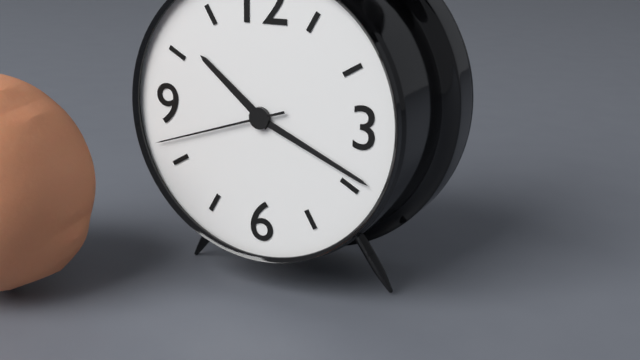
10:19:42
